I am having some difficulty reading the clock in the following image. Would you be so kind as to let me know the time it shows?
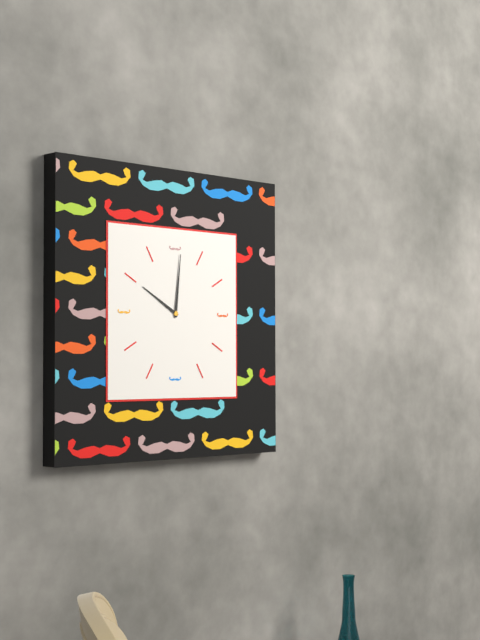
10:01
